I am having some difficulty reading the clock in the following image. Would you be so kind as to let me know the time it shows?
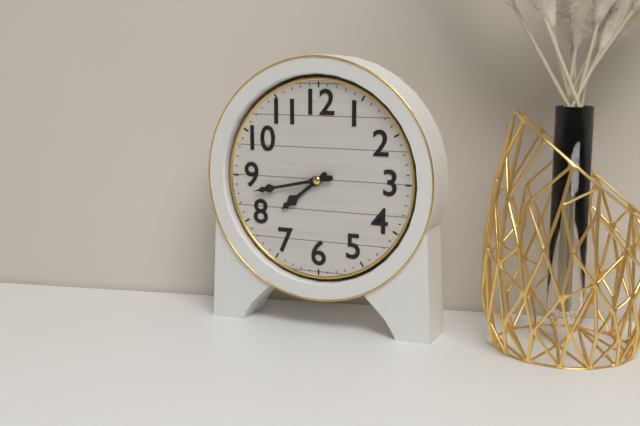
7:43
